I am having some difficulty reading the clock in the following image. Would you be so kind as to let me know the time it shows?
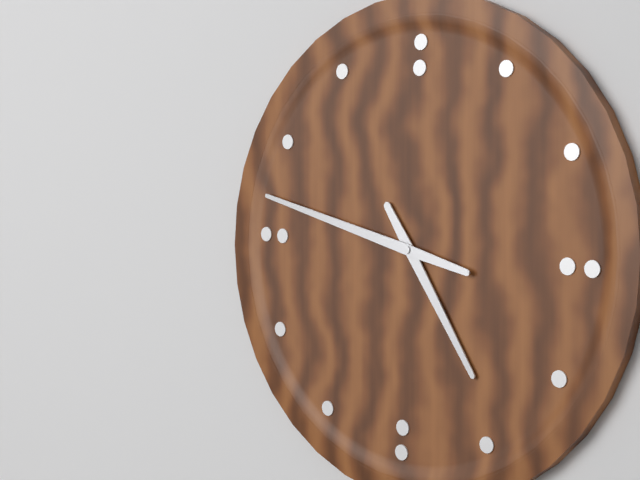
4:47
